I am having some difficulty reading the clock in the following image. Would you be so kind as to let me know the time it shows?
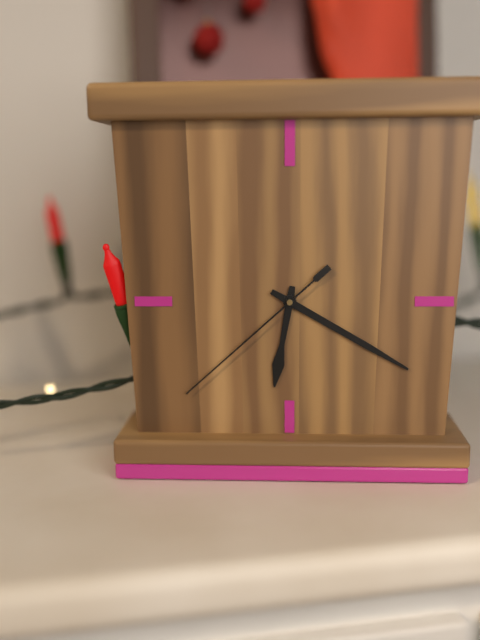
6:20:38
